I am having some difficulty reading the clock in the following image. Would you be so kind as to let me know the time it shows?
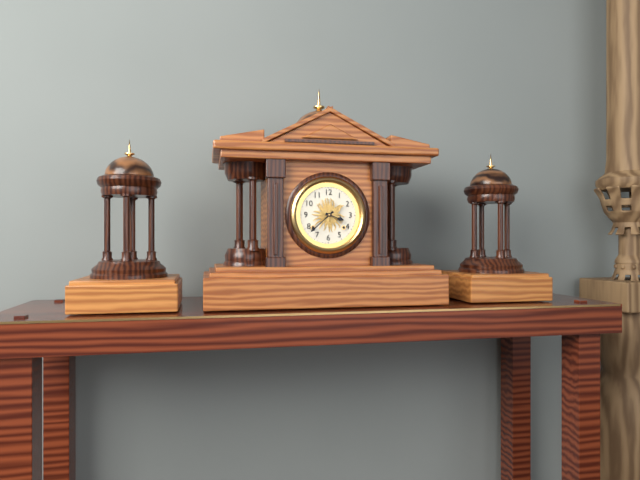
3:38
